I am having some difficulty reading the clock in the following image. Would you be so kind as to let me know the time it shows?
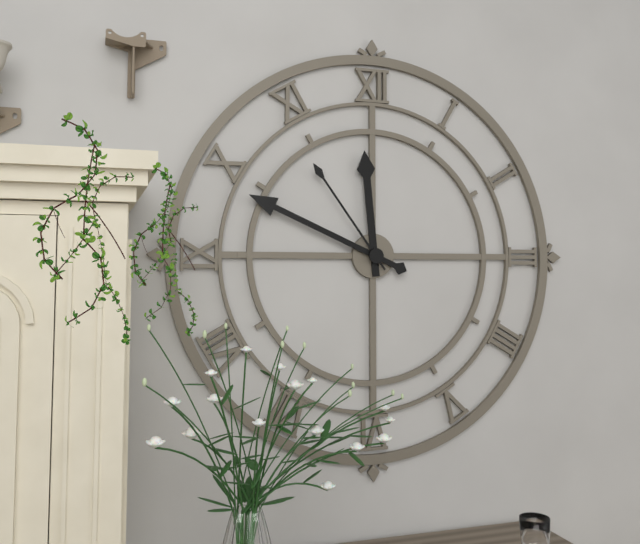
11:49:54
